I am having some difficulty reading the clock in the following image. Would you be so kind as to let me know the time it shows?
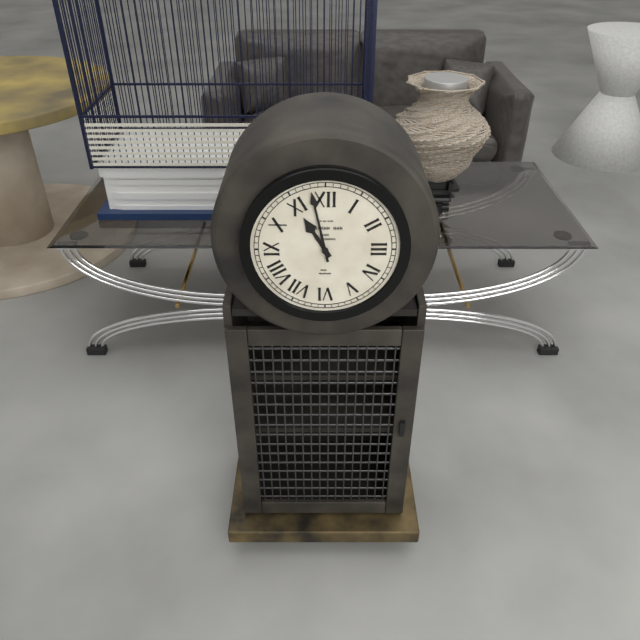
10:58
